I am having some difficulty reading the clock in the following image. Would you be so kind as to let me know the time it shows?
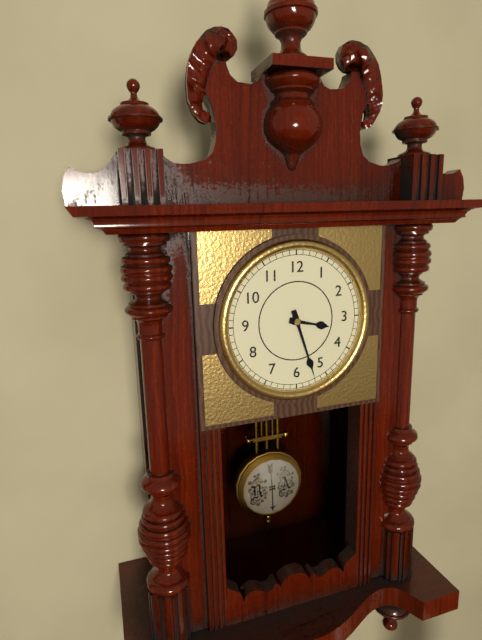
3:27
